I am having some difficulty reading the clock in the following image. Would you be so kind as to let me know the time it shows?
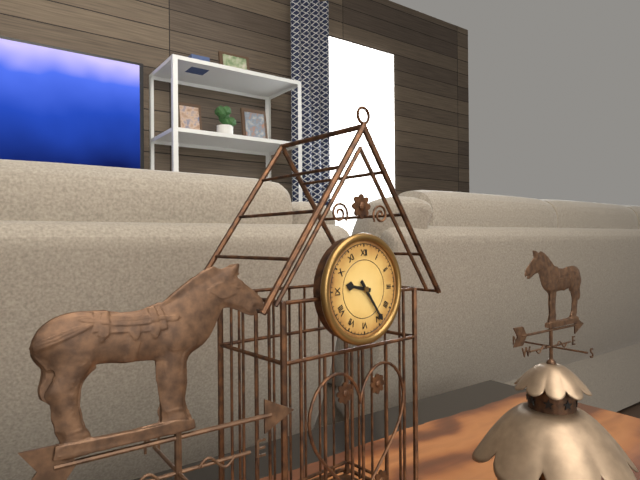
9:24
